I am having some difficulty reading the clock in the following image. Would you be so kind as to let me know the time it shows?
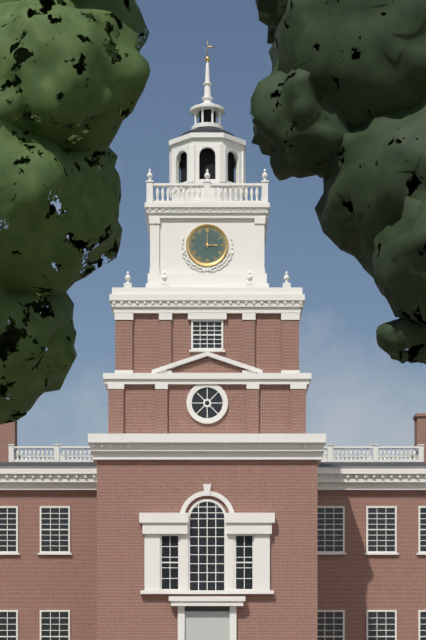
3:00
